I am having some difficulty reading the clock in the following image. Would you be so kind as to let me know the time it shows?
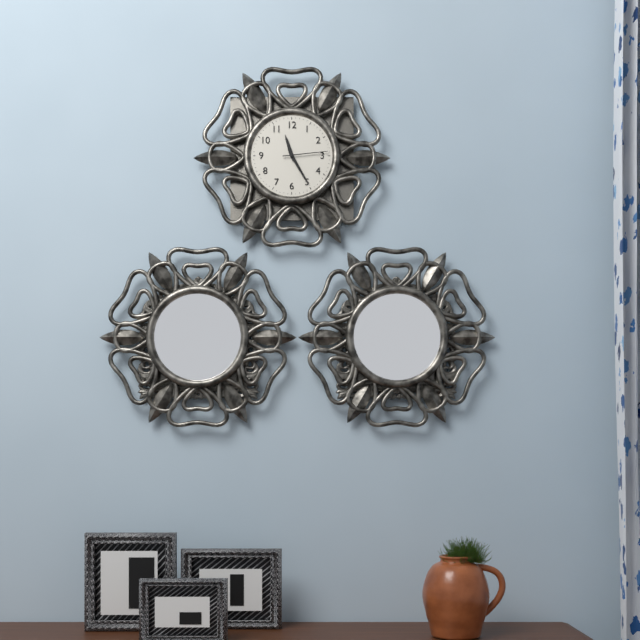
11:25
